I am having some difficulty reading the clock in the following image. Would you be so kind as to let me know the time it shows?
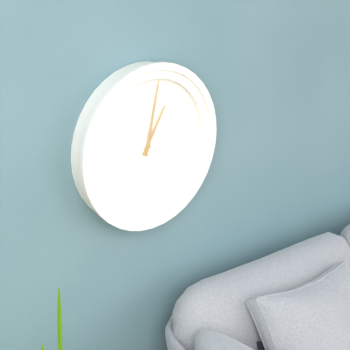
1:02
